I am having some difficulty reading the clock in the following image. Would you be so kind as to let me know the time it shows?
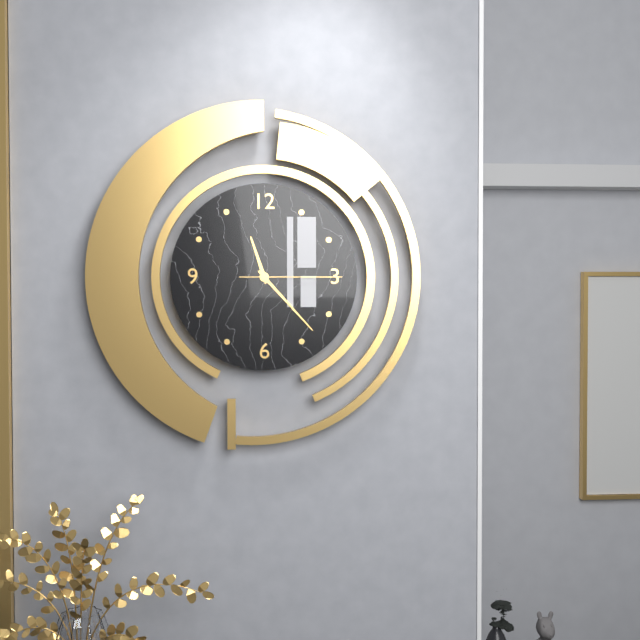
11:23:15
